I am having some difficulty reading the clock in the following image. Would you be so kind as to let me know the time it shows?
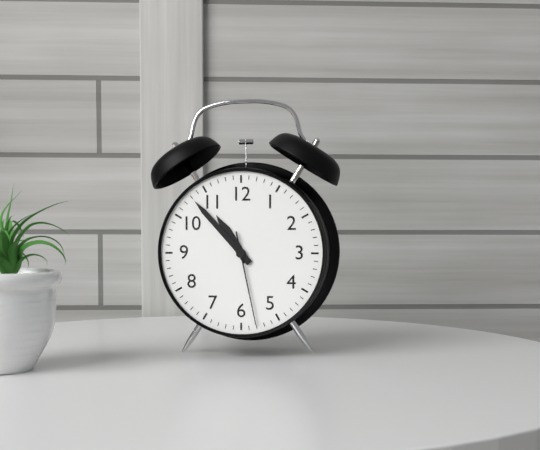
10:53:28
